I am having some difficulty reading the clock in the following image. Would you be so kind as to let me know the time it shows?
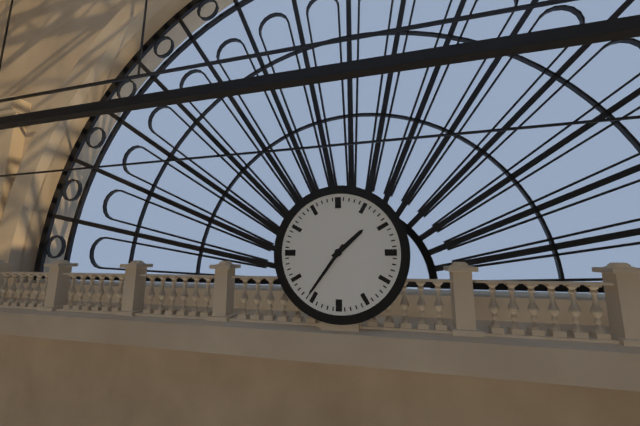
1:36
